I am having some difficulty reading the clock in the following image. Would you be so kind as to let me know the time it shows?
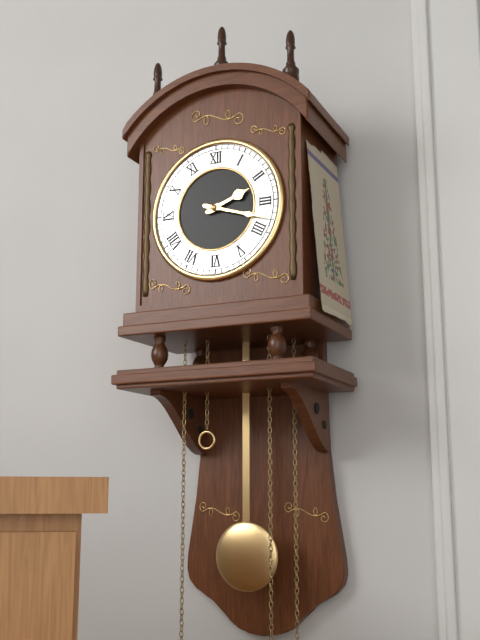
2:18
